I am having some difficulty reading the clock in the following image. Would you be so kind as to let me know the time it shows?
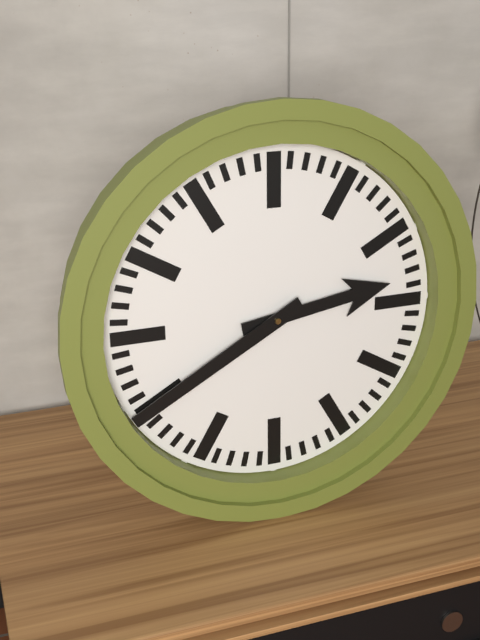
2:40
